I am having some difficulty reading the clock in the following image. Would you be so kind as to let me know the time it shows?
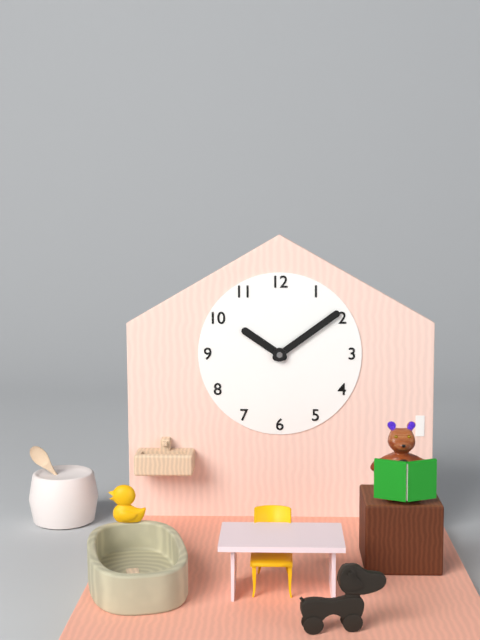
10:09
